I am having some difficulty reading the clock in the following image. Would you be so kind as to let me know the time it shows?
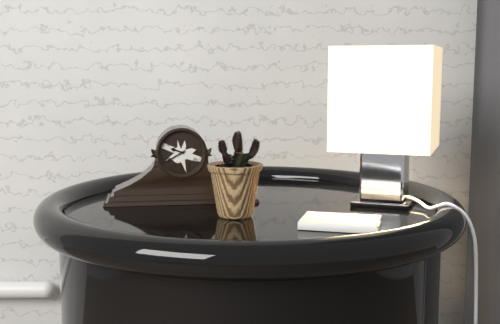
9:40
